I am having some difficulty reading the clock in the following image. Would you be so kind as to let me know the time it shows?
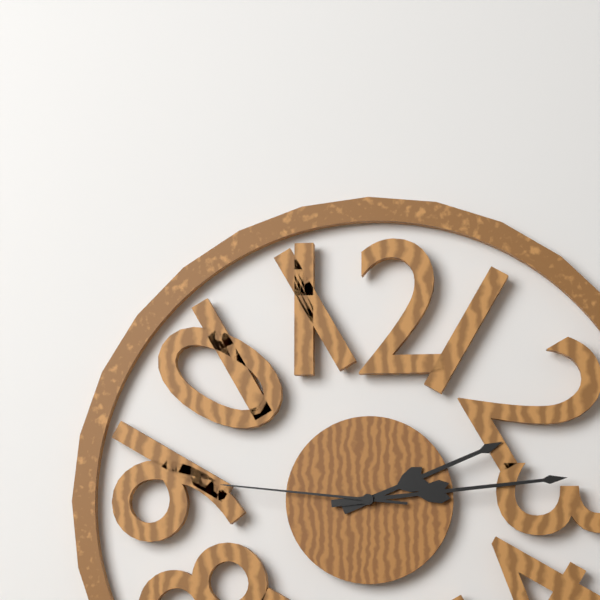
2:14:46
